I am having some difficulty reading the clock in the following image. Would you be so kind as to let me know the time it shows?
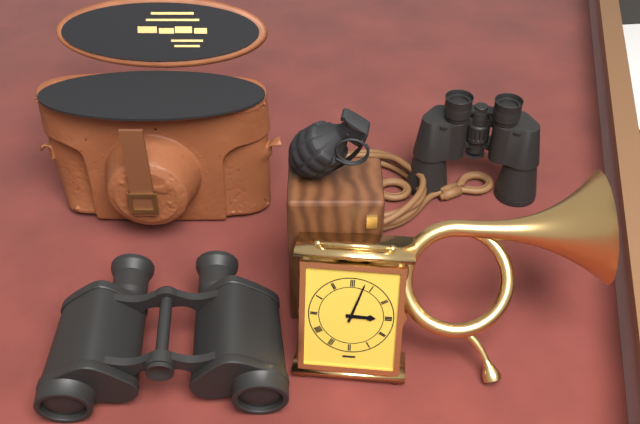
3:03
